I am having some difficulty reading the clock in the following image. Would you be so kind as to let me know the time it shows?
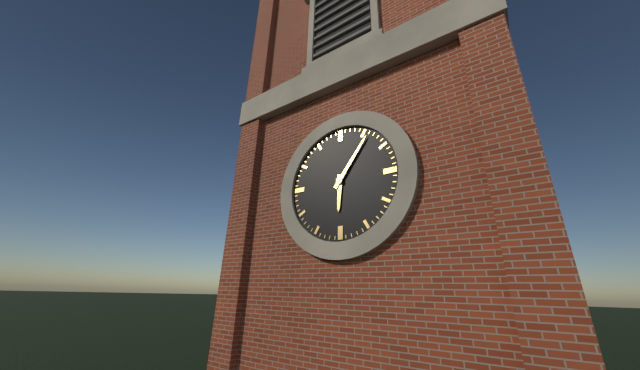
6:06
